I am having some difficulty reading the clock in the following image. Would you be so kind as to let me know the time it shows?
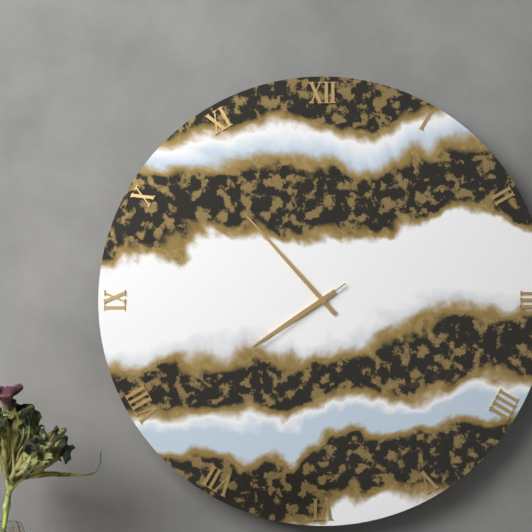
7:53:39
